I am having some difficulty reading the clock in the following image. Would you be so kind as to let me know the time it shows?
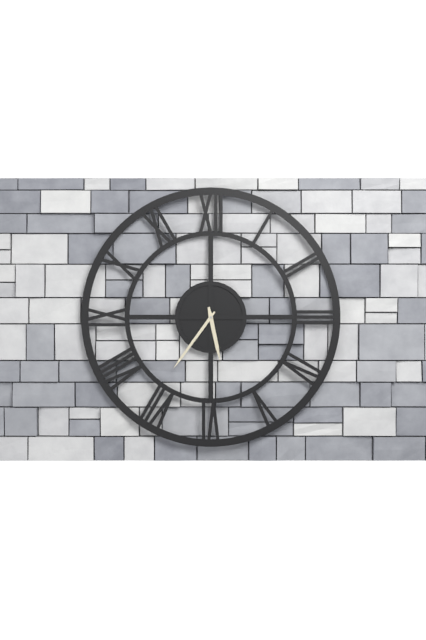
5:36
